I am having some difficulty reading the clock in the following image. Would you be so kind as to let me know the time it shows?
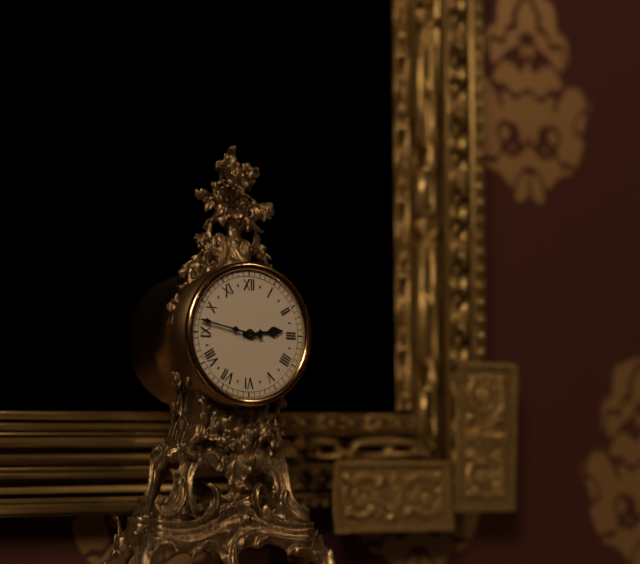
2:47
